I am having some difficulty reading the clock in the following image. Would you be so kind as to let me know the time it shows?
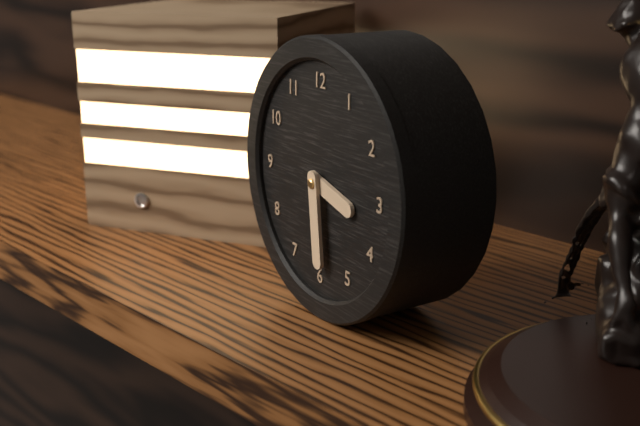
3:29
